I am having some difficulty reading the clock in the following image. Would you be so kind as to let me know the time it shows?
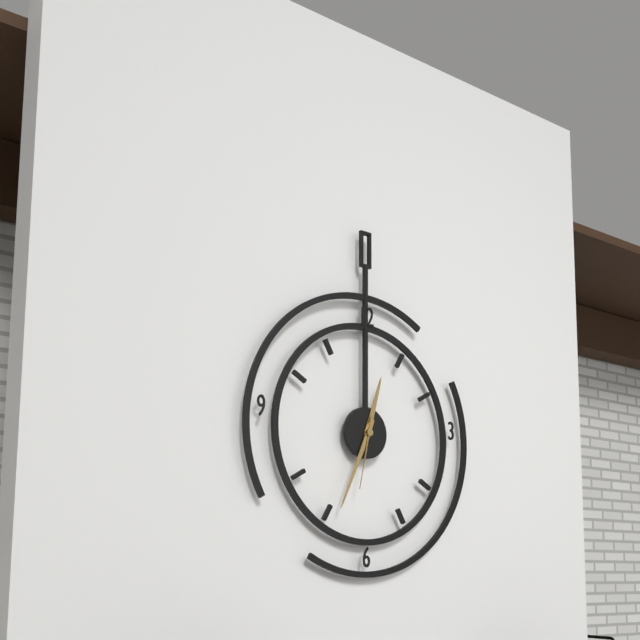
12:34:32
